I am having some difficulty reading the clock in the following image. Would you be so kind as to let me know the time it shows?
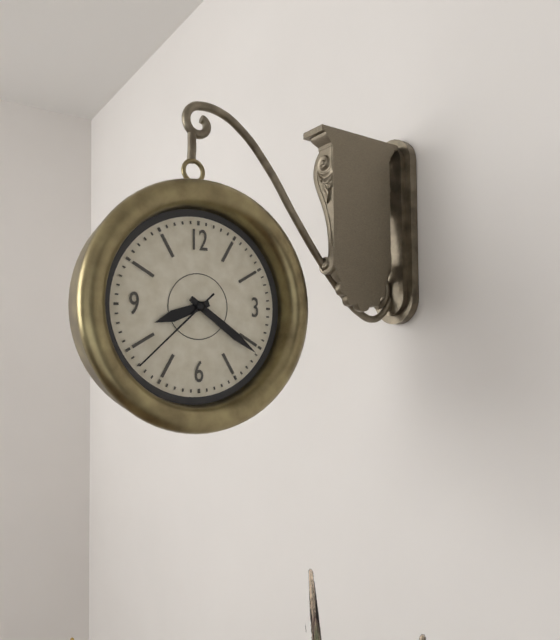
8:21:38
